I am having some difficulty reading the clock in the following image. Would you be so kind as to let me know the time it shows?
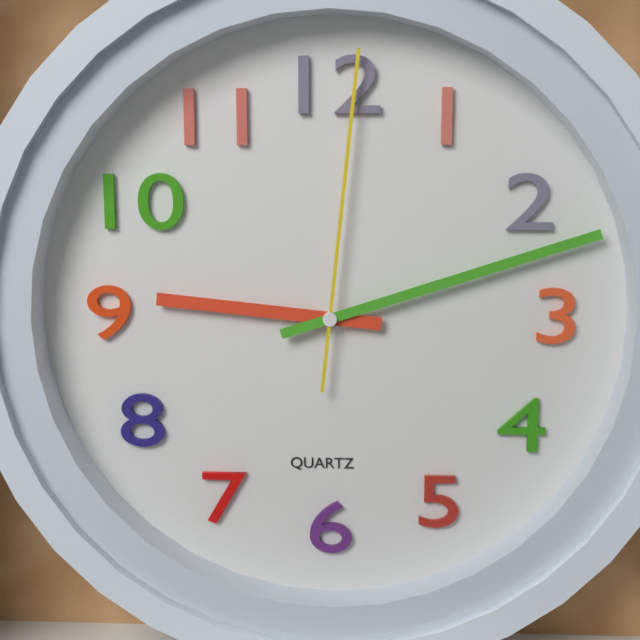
9:12:01
